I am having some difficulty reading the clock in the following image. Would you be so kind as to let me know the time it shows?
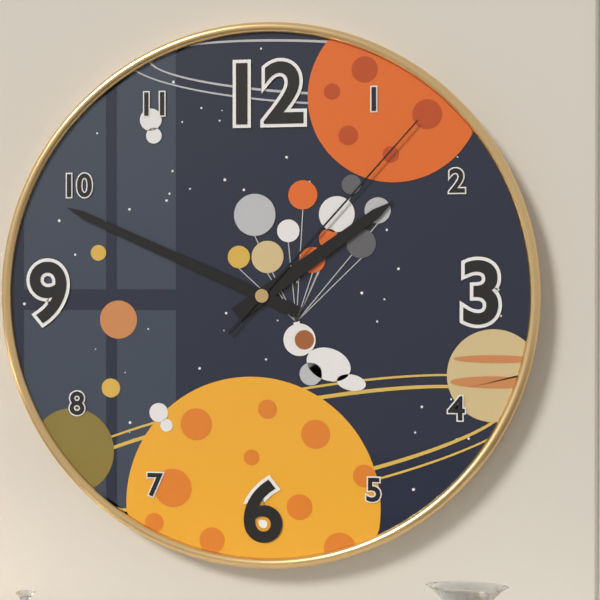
1:49:07
